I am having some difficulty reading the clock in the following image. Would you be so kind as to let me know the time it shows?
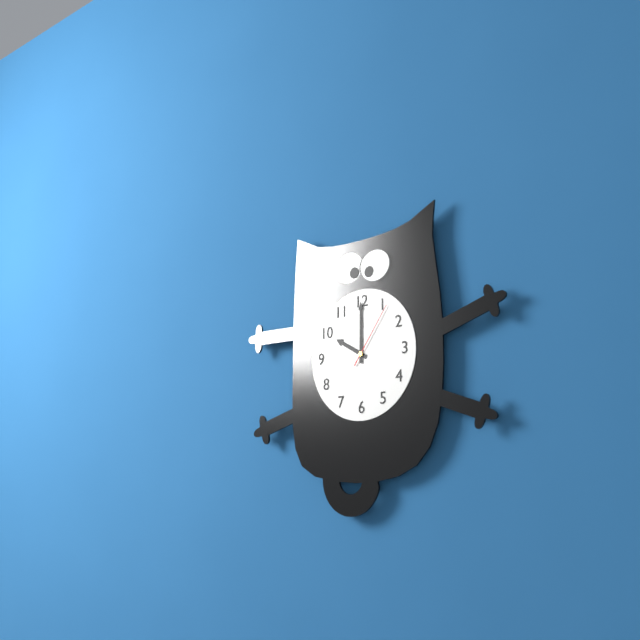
10:00:06
